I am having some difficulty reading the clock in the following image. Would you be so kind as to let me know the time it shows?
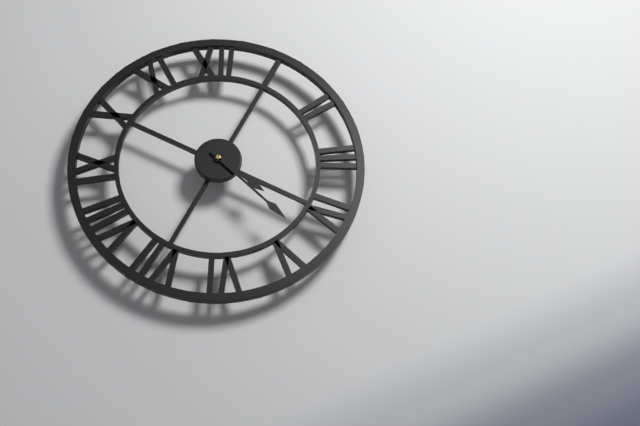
4:23
